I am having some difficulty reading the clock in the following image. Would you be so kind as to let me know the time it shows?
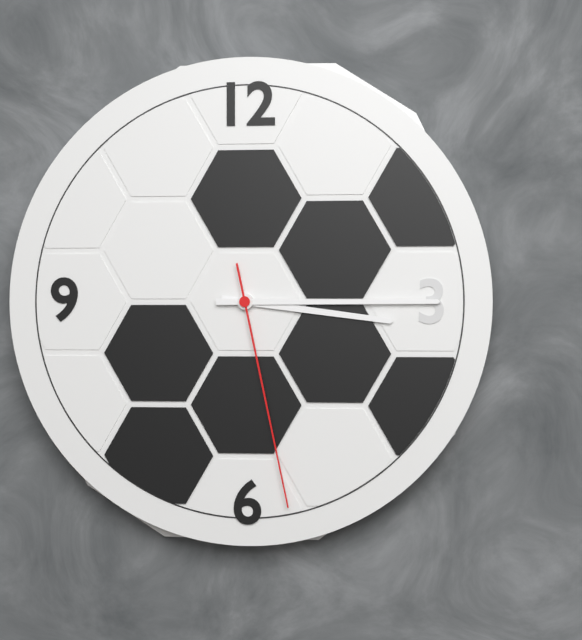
3:15:28
